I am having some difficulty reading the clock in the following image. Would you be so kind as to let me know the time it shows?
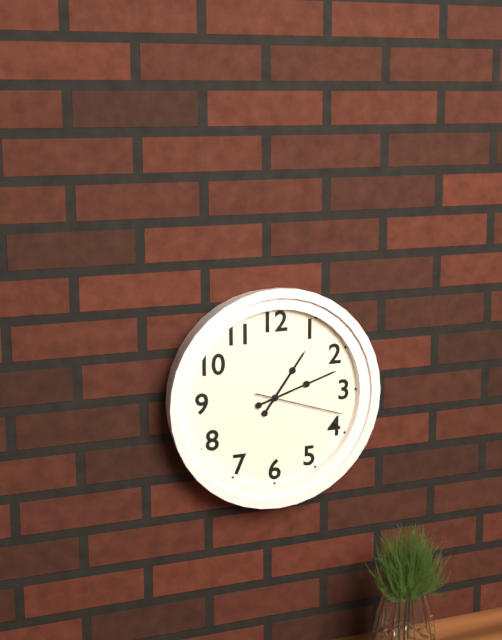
1:12:18
